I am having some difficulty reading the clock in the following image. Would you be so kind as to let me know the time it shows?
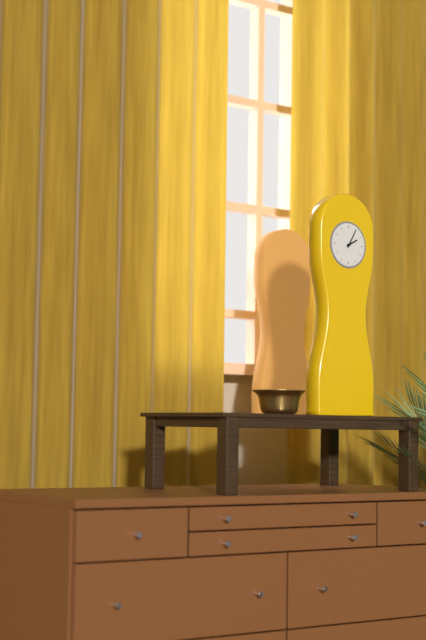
2:05
